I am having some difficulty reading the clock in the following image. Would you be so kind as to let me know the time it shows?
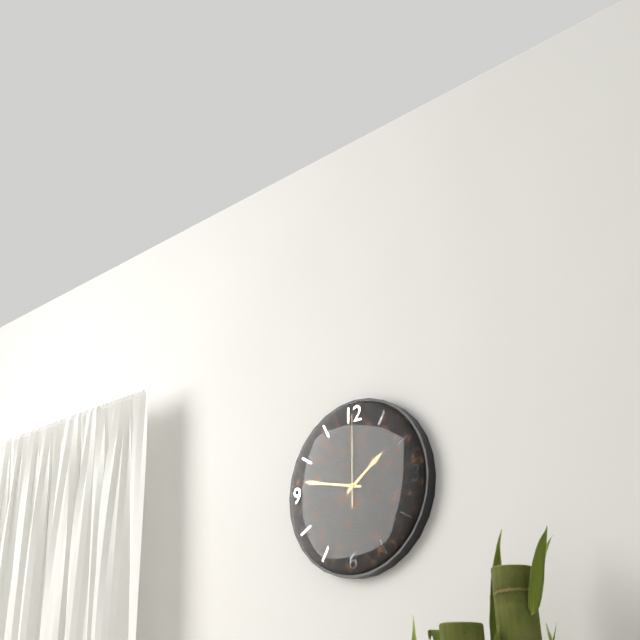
1:47:00
